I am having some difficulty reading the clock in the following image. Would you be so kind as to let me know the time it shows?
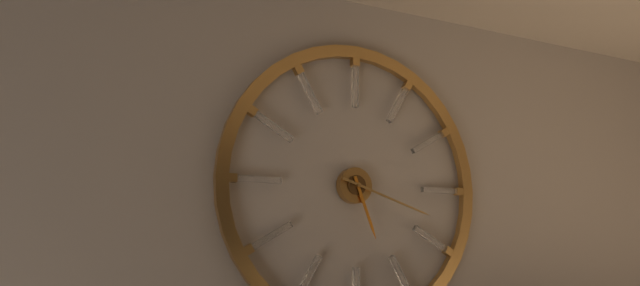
5:18
